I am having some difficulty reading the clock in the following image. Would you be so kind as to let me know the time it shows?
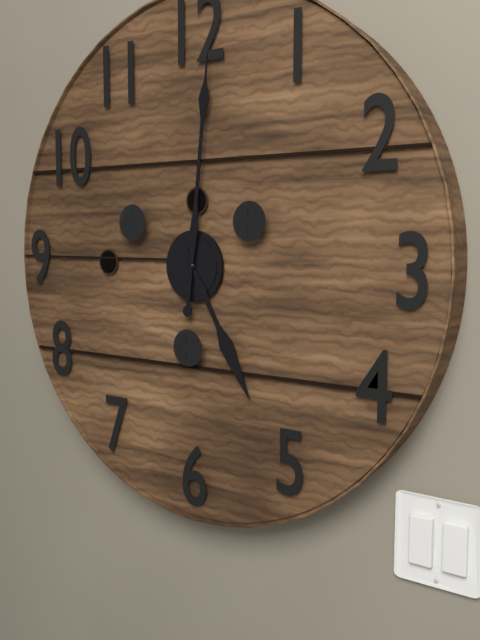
5:01
